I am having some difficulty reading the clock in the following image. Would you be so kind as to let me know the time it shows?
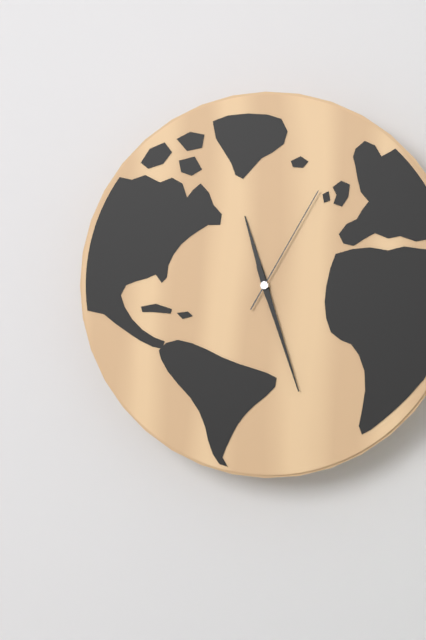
11:27:05
